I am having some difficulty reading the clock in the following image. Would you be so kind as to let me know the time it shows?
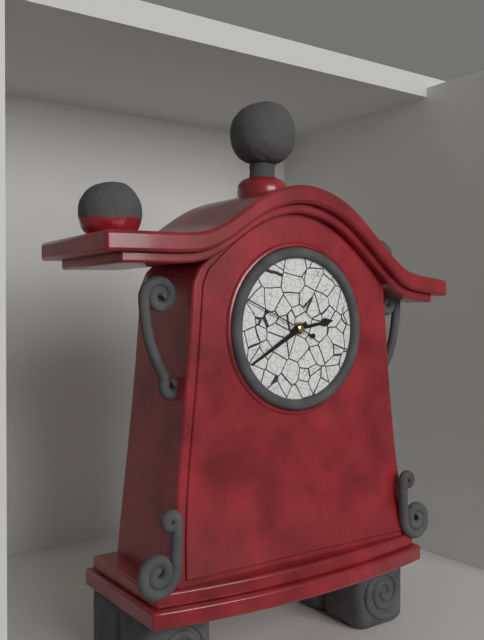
2:40:49
